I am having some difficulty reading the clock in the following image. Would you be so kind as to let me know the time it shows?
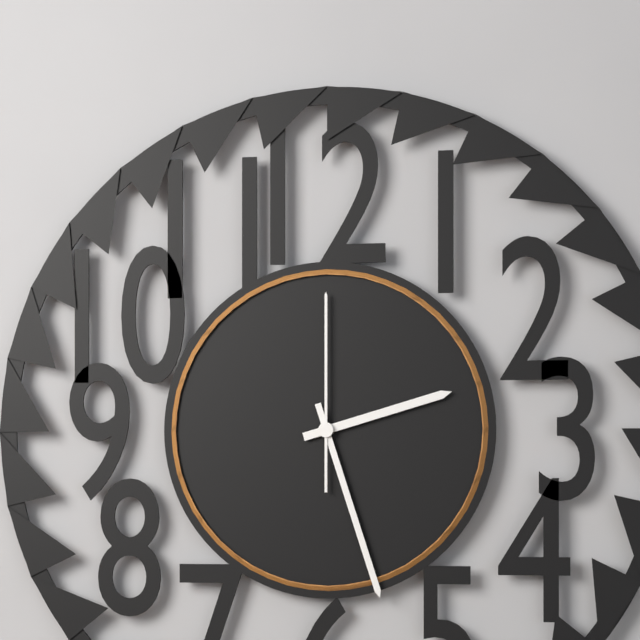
2:27:00
